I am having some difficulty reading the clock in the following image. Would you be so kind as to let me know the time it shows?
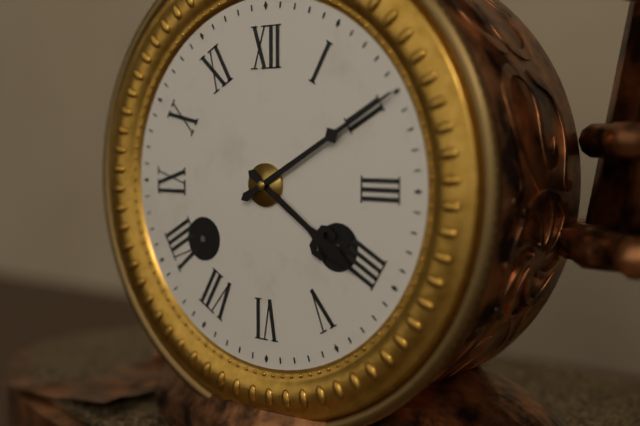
4:10
